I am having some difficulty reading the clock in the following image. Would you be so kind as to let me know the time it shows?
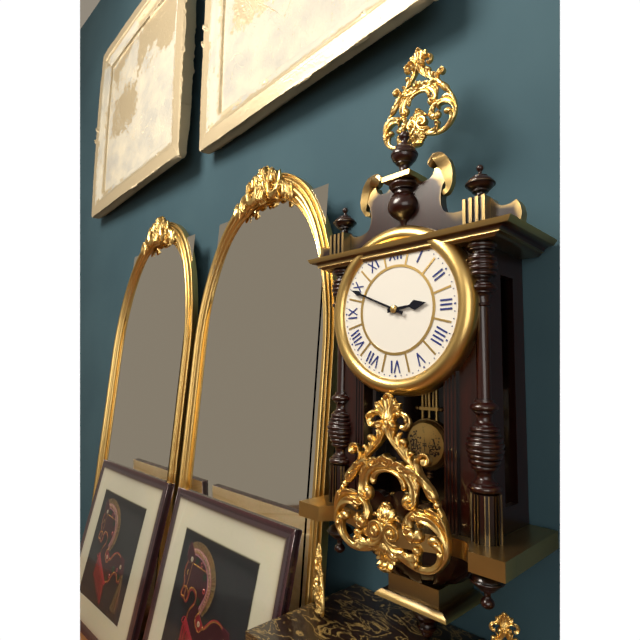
2:49
